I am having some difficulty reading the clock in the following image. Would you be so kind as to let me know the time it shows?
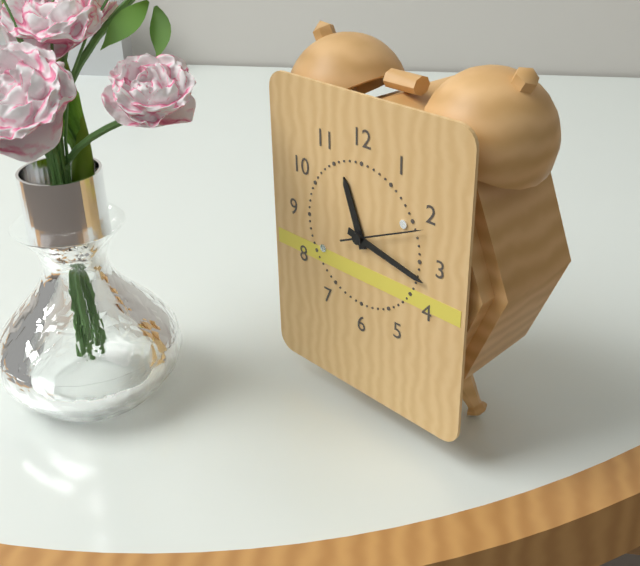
11:17:11
